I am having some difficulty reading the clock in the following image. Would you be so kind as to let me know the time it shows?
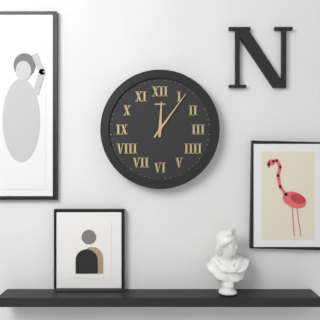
12:06
